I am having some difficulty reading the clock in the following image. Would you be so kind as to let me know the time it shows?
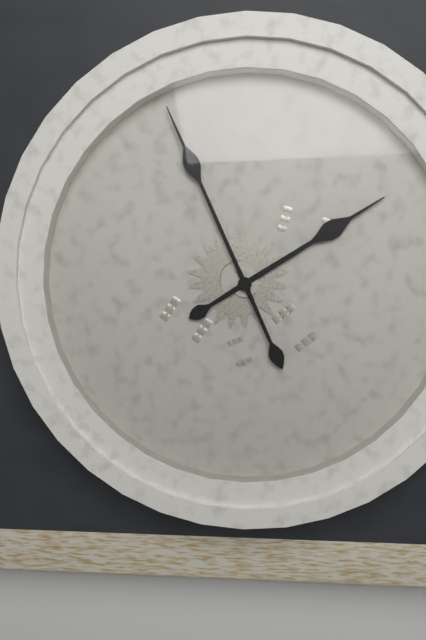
1:56
